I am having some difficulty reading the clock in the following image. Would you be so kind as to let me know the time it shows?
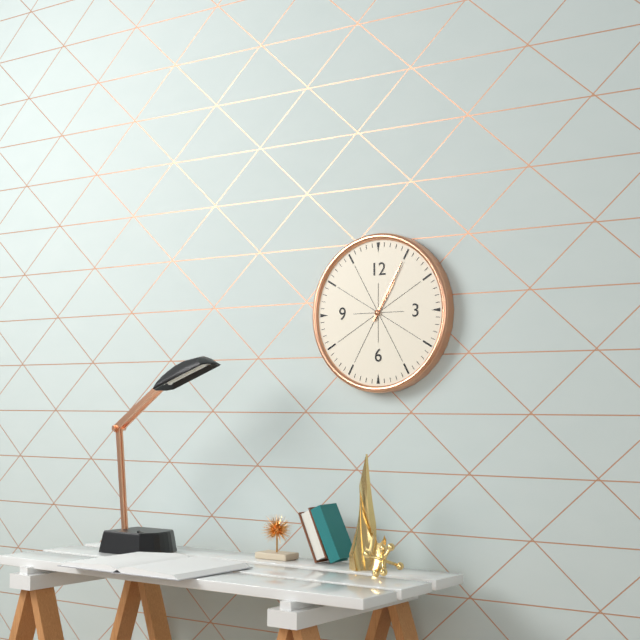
1:05
